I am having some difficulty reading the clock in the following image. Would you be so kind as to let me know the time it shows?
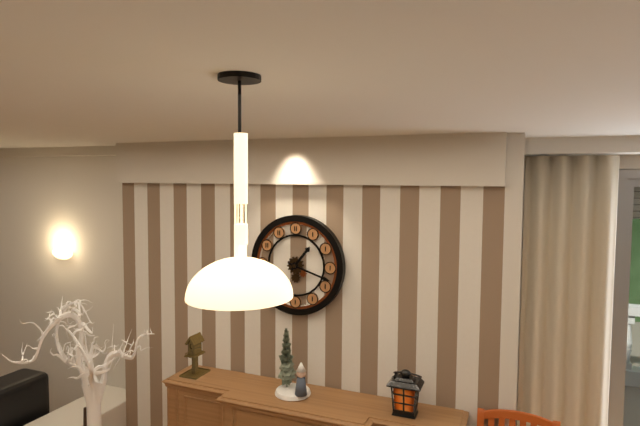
1:18
